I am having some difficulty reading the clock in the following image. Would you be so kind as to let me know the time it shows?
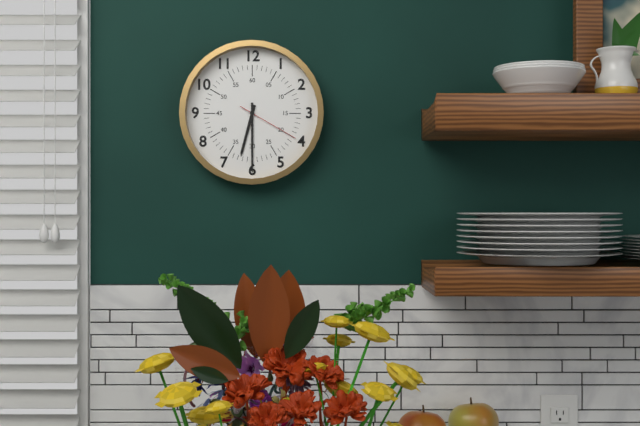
6:30:20
